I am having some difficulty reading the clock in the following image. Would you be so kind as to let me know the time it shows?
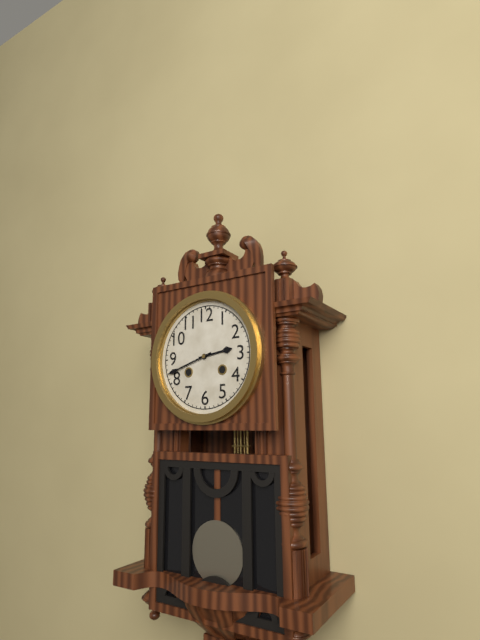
2:42
